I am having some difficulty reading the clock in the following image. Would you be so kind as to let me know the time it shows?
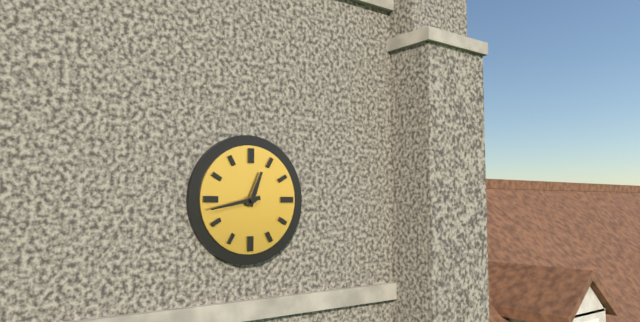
12:43
